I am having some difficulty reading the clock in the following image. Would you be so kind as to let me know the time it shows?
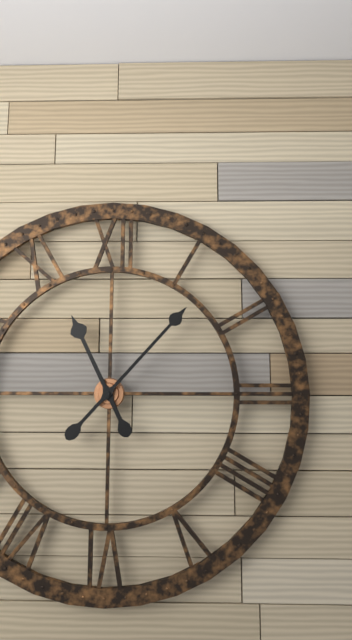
11:07
